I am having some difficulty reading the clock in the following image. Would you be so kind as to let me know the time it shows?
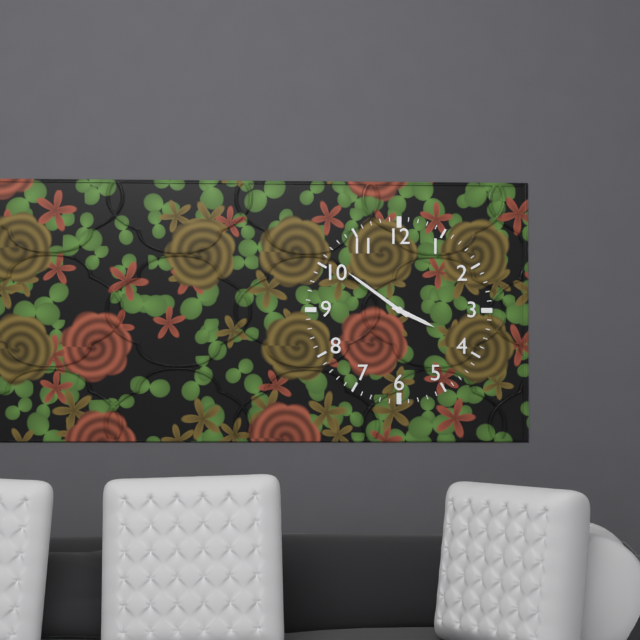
3:51
